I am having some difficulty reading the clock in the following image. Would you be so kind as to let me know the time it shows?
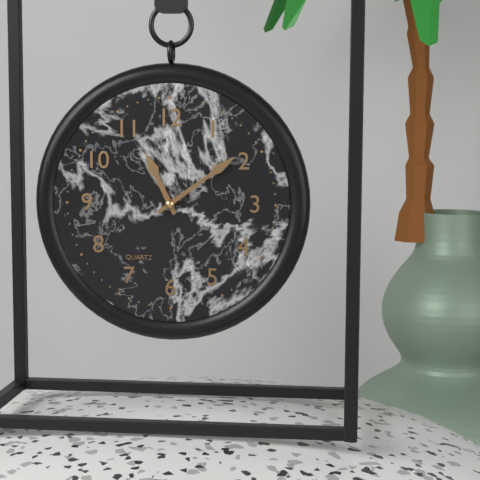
11:09
